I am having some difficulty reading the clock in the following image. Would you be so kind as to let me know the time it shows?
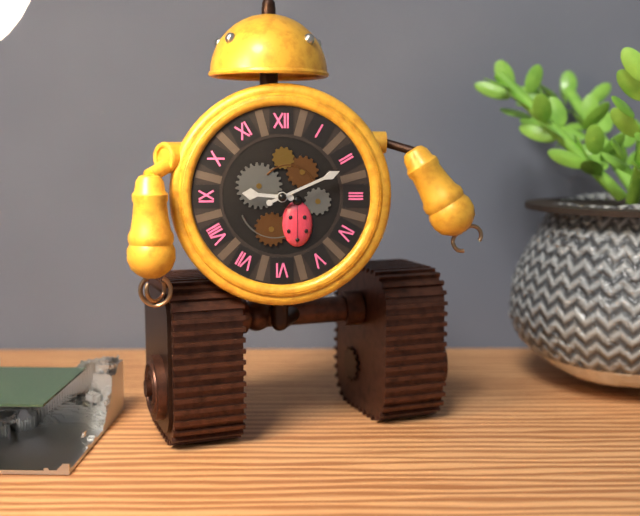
9:11
